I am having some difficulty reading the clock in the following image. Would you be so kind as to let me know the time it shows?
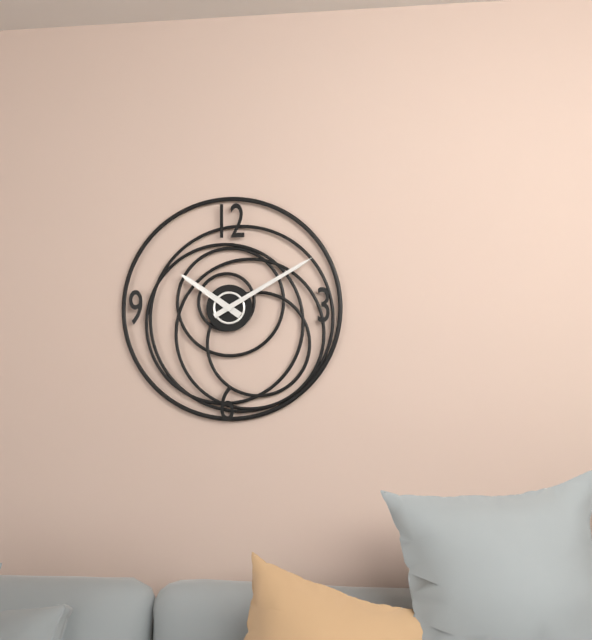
10:10
